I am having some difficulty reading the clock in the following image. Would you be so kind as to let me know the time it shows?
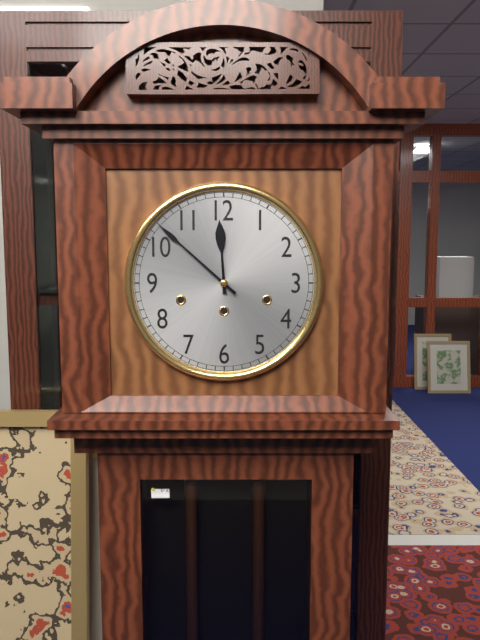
11:52
